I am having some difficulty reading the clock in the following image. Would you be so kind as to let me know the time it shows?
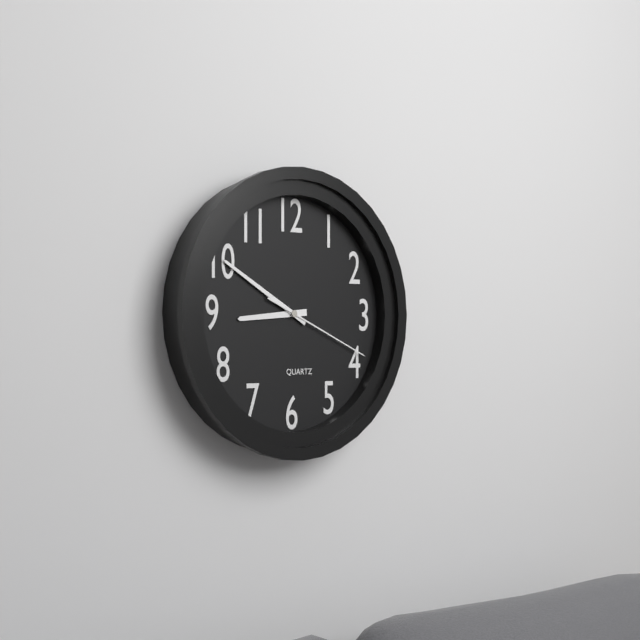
8:50:19
